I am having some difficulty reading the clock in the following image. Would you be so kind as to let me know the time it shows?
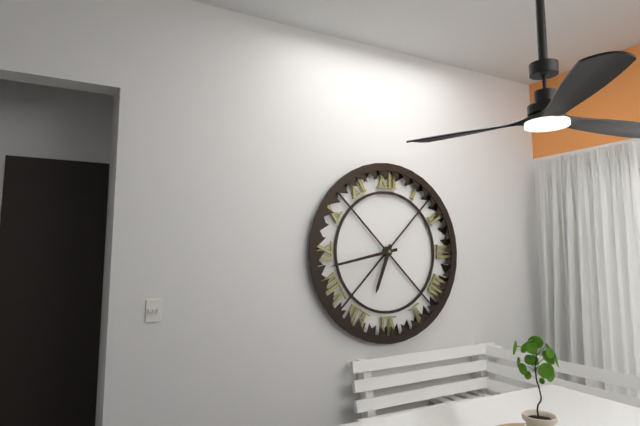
6:43
